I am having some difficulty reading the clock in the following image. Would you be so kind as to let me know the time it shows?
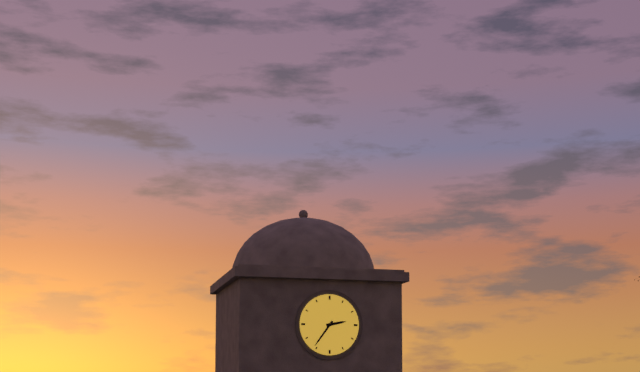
2:36
